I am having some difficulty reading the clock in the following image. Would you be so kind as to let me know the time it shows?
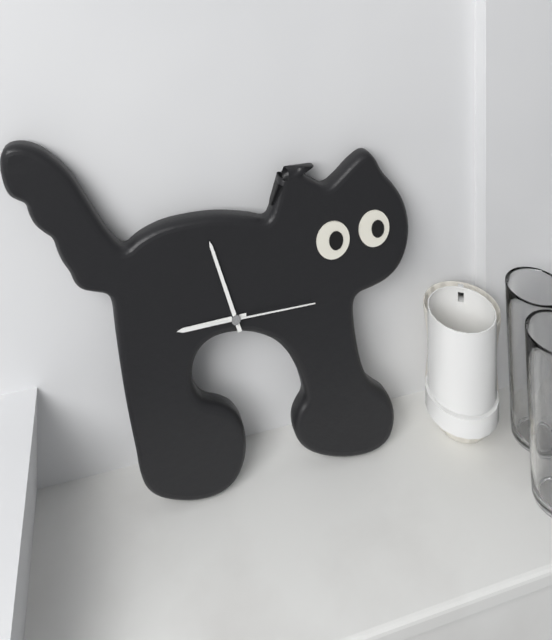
8:57:15
